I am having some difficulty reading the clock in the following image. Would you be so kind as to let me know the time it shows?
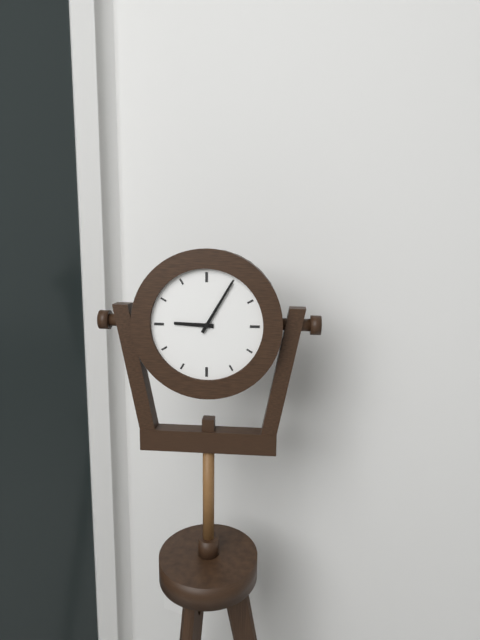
9:05
